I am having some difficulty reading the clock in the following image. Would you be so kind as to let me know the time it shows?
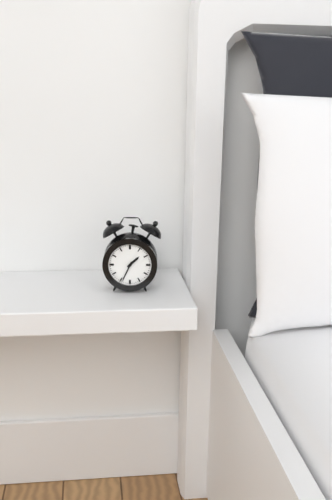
1:34
